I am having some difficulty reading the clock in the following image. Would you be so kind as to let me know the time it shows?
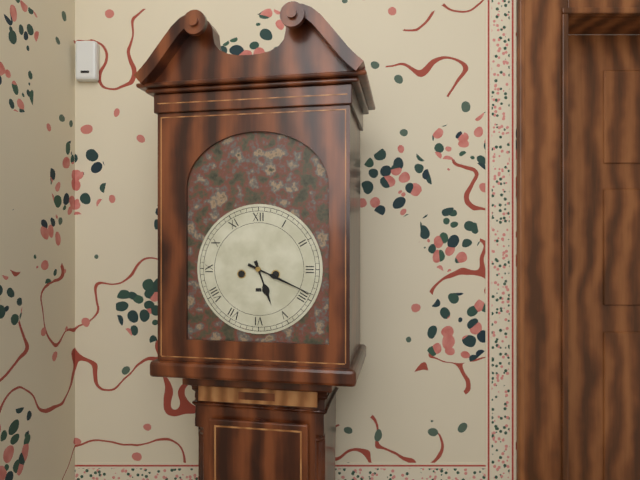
5:19
